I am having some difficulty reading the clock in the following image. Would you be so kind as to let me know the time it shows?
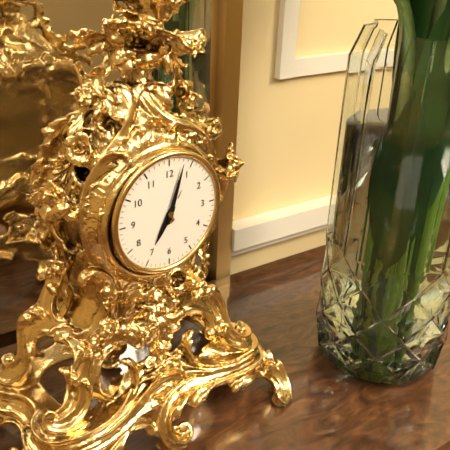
7:03
